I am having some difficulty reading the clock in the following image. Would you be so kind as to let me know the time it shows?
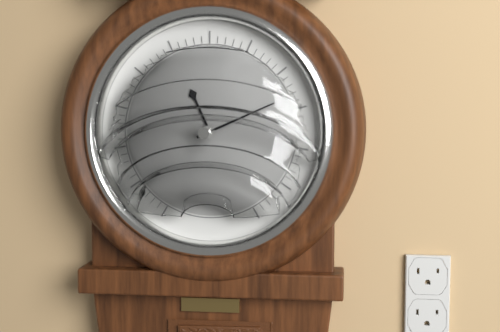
11:11
